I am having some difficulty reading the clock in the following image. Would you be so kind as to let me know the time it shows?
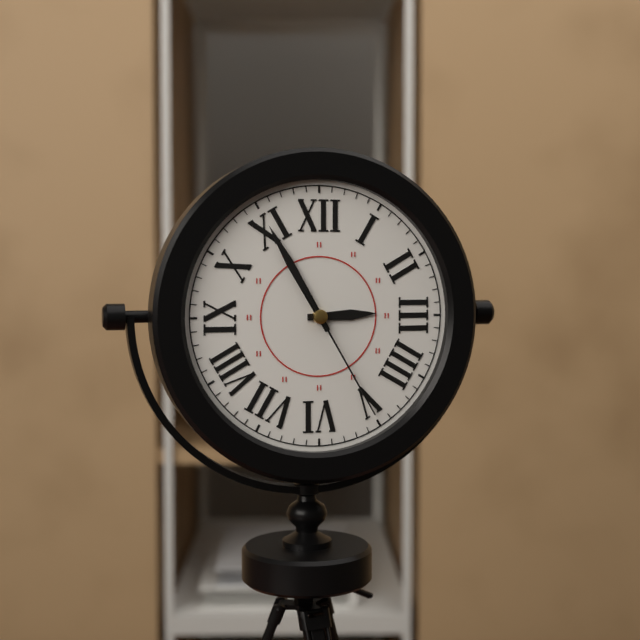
2:55:25
